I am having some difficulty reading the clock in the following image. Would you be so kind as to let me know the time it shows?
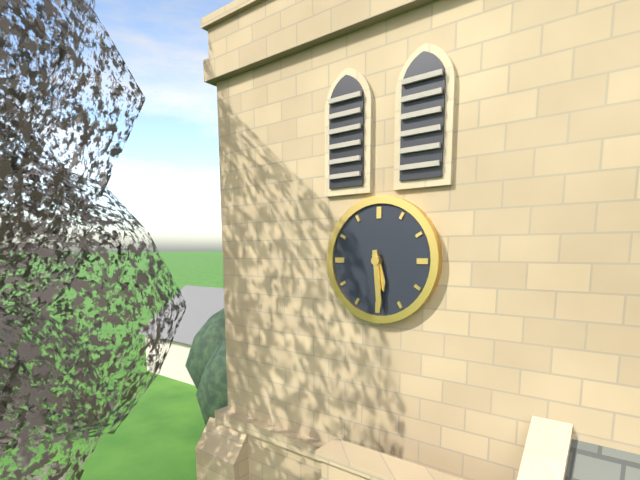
5:29
